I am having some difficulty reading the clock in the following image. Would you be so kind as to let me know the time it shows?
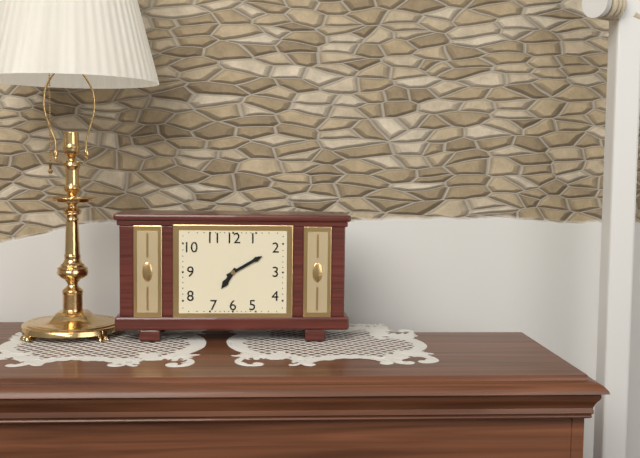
7:10
